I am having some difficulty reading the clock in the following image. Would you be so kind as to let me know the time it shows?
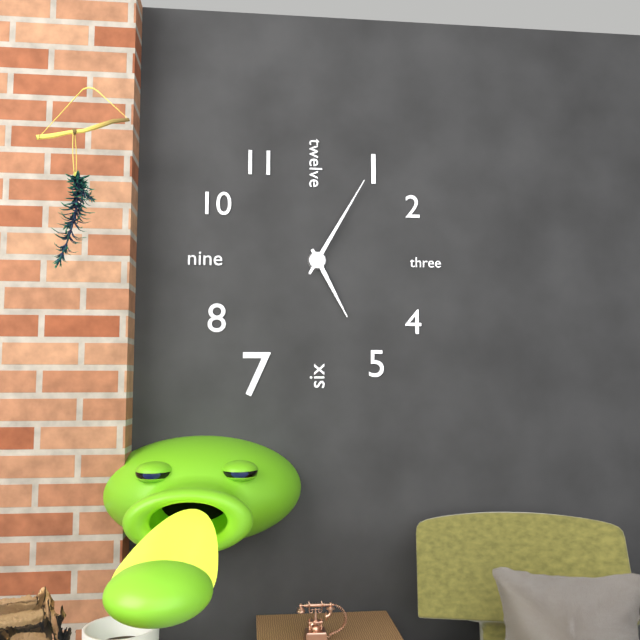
5:05
